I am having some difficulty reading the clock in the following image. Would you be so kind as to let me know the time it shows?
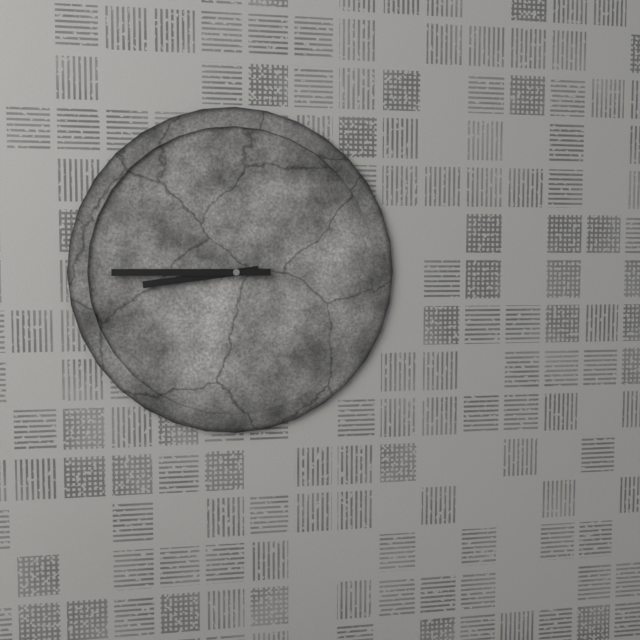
8:45
